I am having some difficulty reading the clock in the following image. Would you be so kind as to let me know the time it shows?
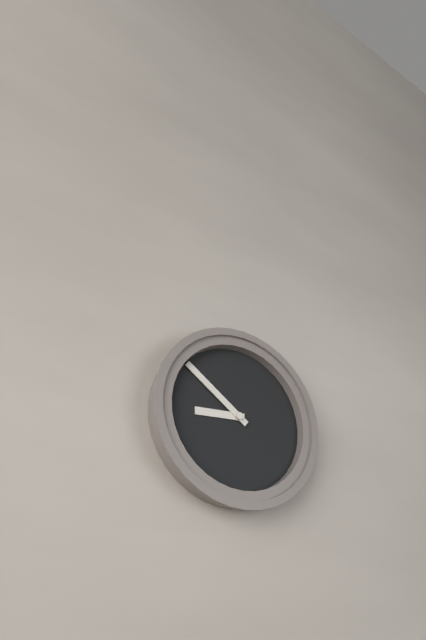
8:51
